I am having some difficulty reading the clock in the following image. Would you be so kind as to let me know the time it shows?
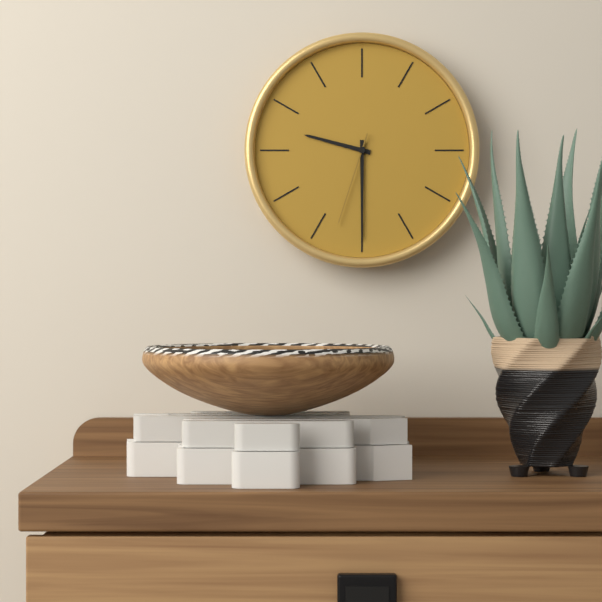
9:30:33
